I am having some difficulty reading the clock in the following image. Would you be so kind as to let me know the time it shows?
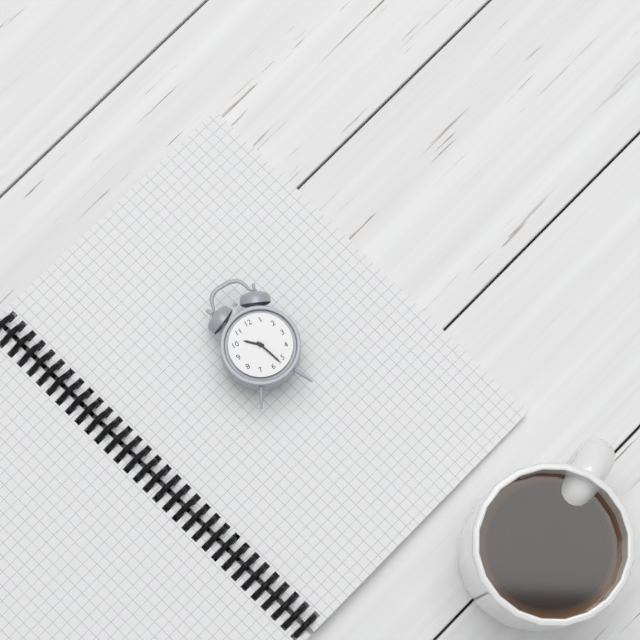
10:27
